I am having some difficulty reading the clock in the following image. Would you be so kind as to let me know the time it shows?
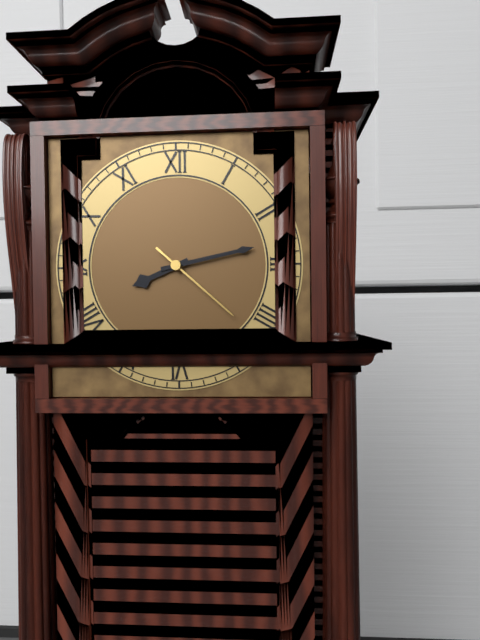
8:13:22
